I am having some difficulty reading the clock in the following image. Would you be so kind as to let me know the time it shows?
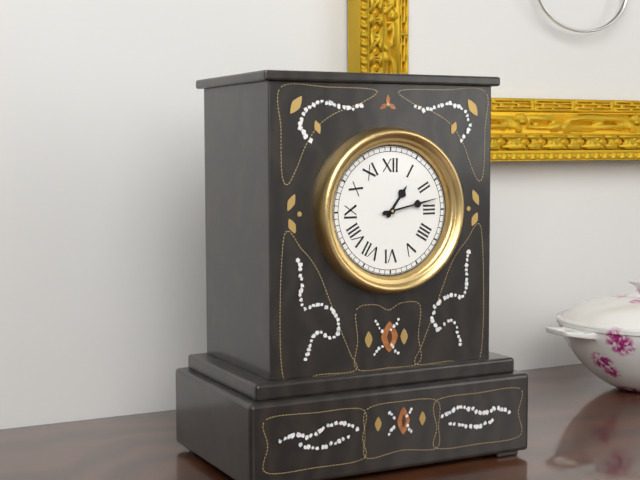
1:13
